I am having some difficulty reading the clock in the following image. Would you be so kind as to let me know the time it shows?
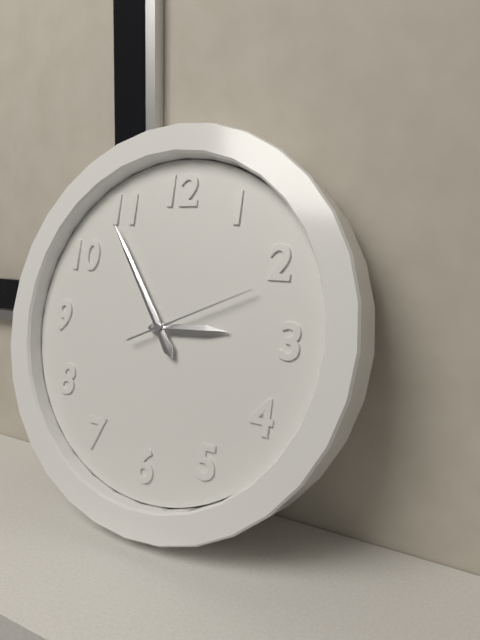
2:54:11
